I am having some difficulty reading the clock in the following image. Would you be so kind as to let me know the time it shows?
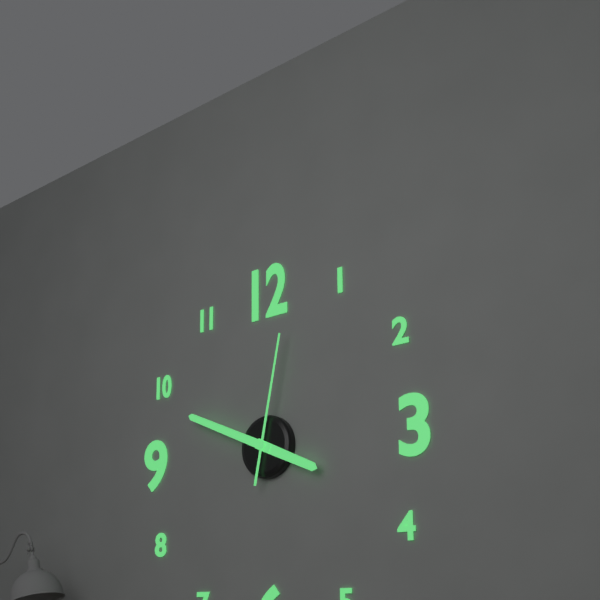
3:49:02
